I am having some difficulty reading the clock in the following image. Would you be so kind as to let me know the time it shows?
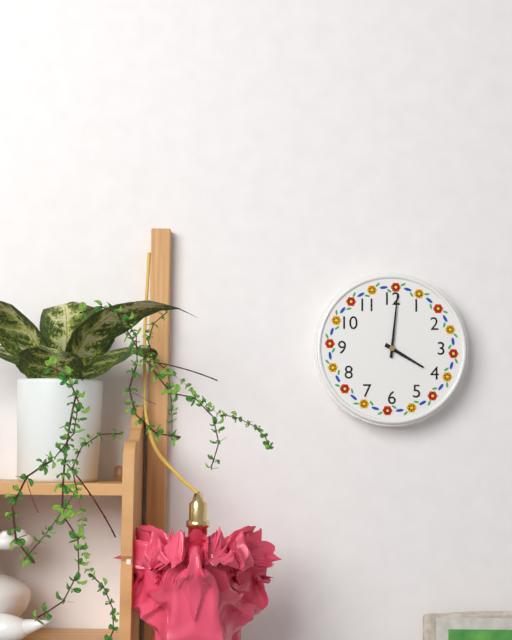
4:01
